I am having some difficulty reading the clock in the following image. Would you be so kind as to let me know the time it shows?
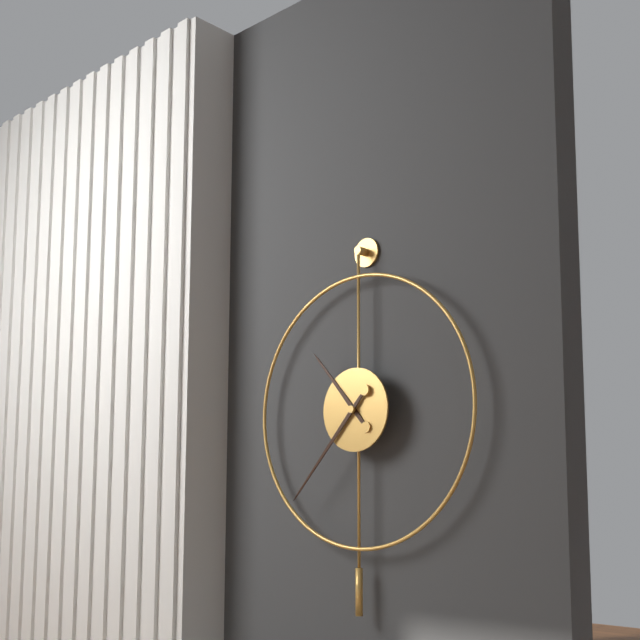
10:37
